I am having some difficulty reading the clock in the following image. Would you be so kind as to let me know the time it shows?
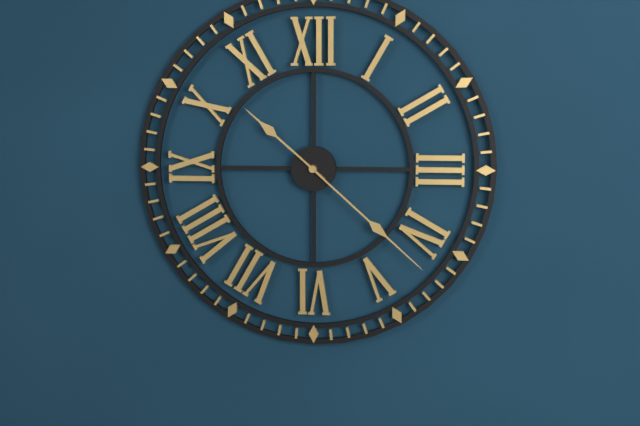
10:22
